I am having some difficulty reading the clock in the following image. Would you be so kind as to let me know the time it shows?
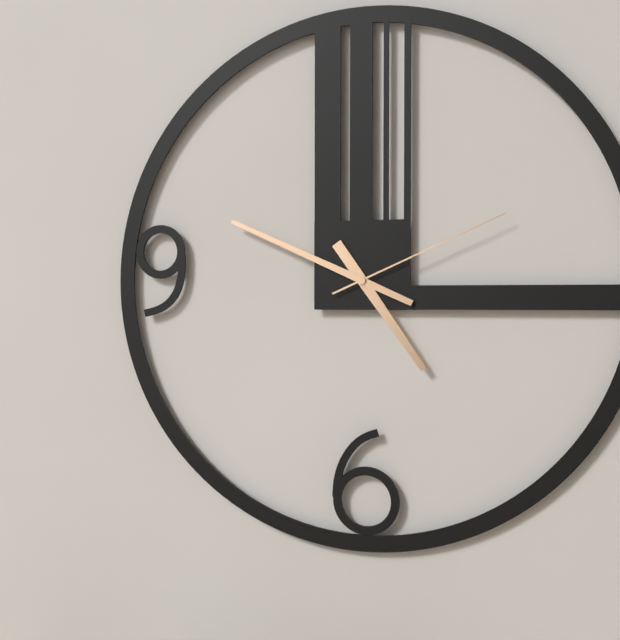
4:49:11
